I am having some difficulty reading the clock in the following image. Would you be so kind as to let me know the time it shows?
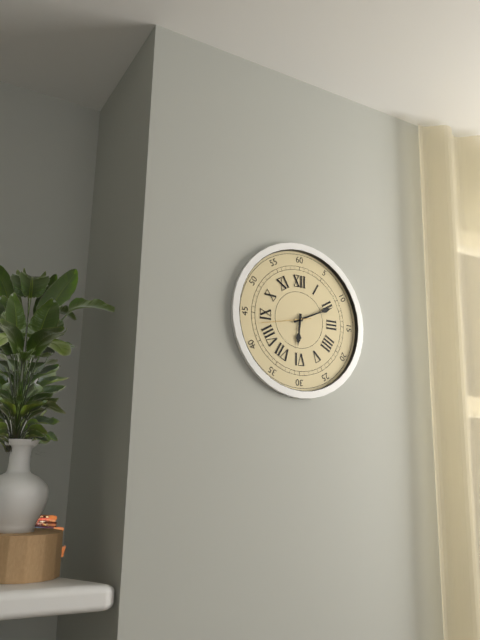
6:11:43
